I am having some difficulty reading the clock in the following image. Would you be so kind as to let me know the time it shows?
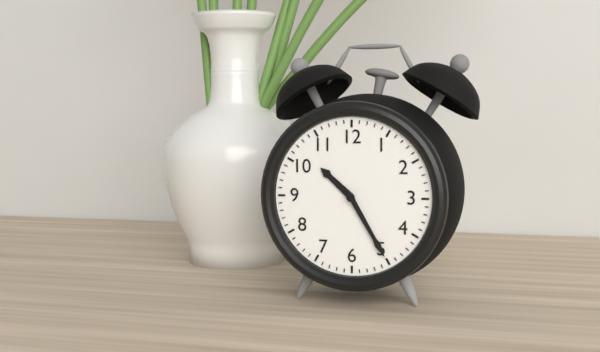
10:25
